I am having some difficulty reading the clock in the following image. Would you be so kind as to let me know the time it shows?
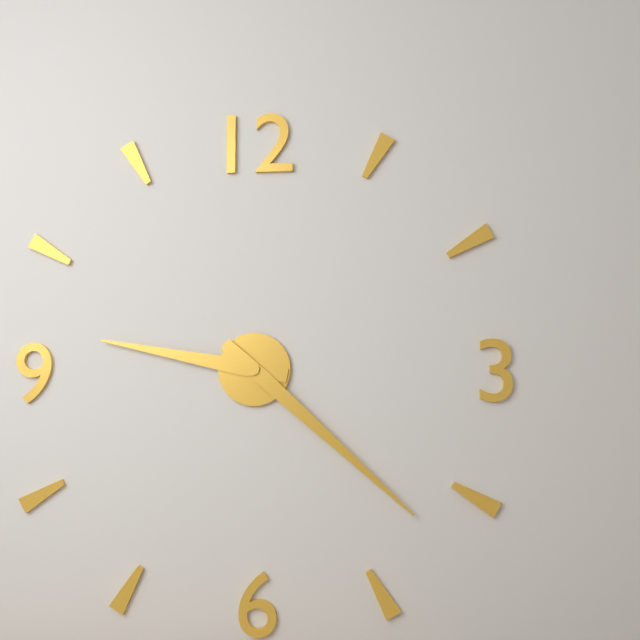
9:22
